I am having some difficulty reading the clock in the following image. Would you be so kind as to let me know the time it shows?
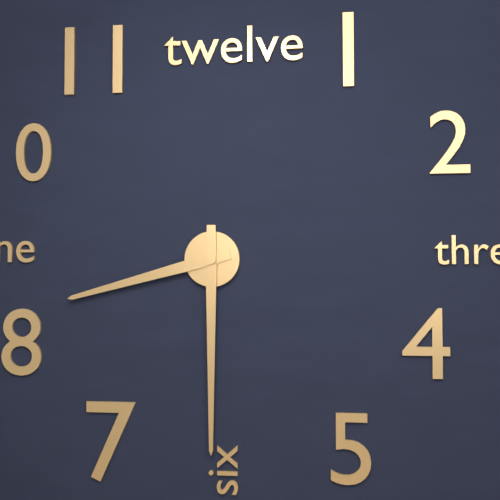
8:30
